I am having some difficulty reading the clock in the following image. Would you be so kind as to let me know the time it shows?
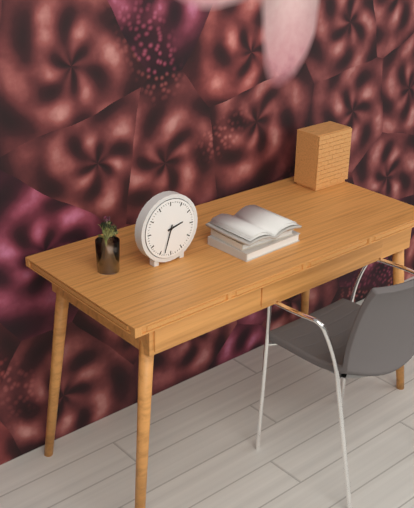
2:33
